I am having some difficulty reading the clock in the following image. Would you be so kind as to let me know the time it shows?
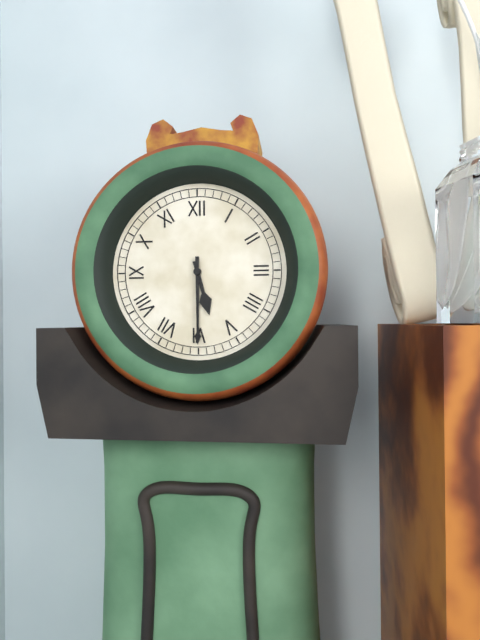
5:30
